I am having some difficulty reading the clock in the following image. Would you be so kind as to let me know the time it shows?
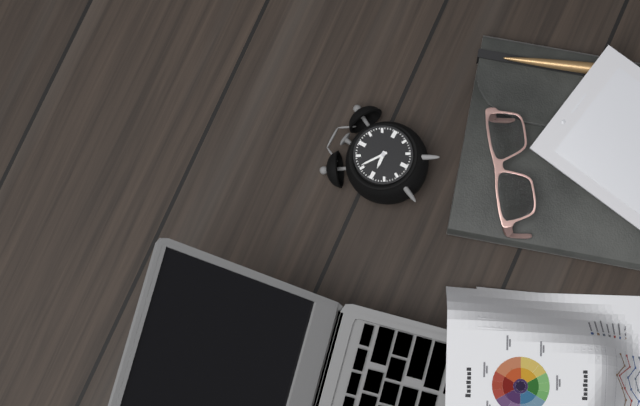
8:51
